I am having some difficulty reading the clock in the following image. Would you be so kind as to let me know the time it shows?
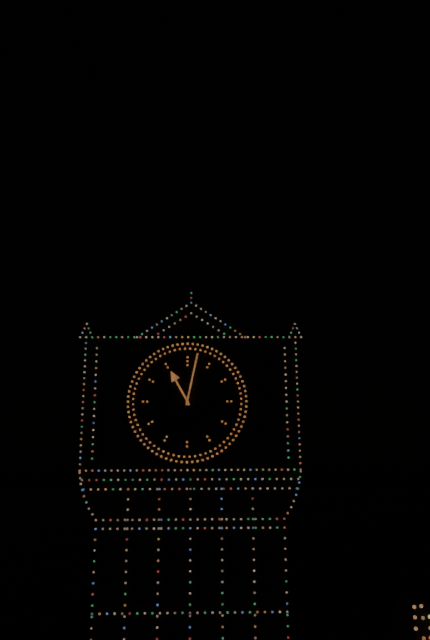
11:02
